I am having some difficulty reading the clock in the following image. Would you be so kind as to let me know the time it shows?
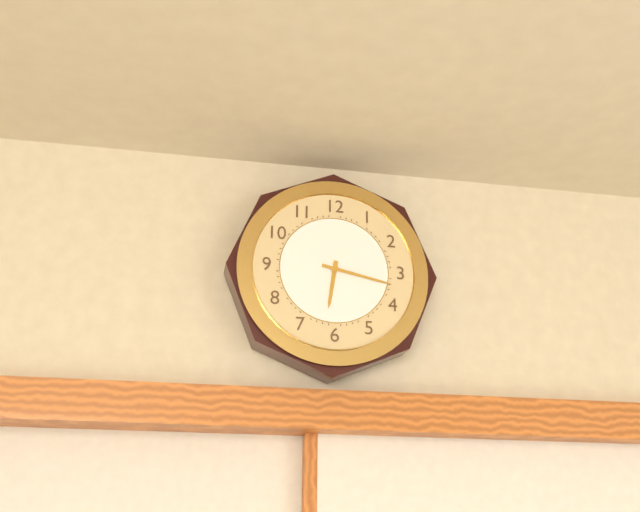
6:17
